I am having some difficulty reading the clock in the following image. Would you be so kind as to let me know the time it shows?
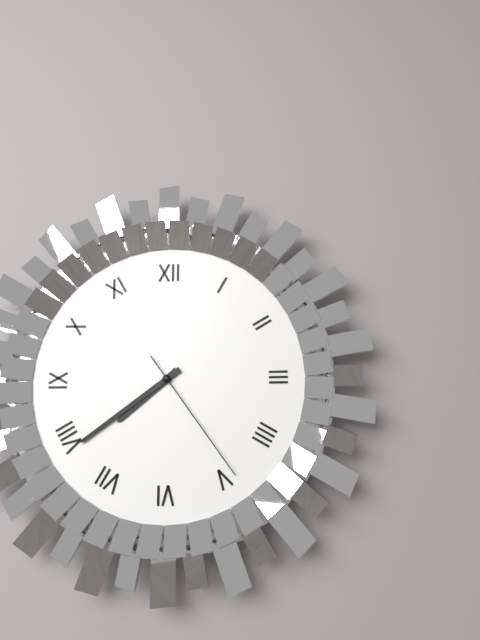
7:39:24
